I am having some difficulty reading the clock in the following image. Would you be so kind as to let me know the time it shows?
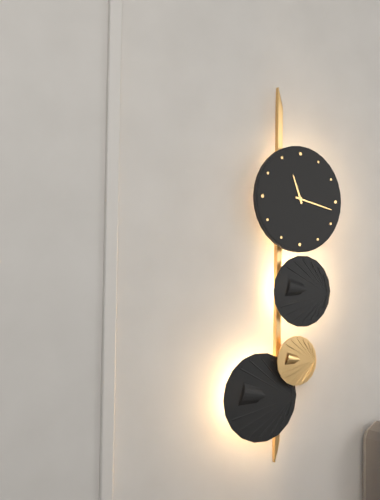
11:17
